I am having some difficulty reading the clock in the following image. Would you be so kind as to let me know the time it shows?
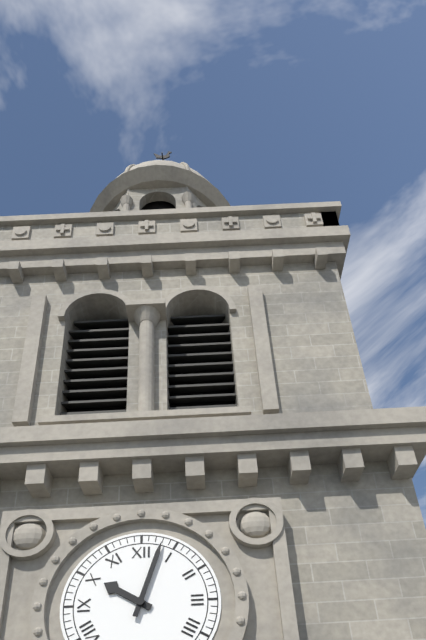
10:03
